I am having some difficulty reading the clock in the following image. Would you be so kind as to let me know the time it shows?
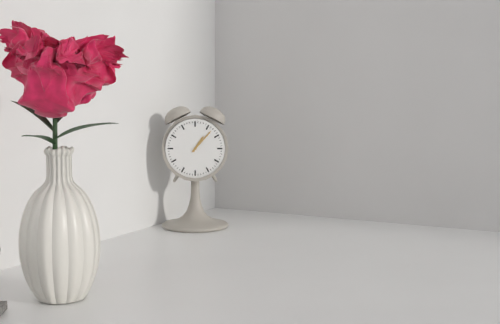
1:07
